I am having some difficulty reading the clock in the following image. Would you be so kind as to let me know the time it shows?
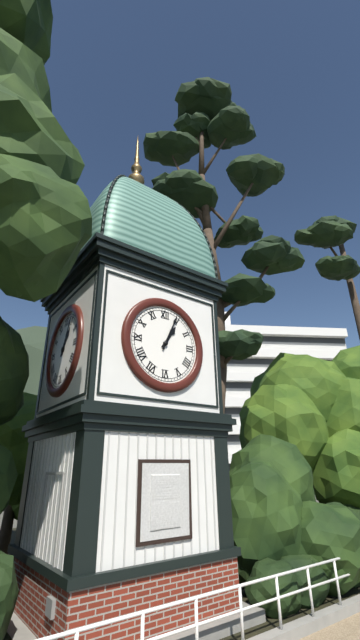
1:04
